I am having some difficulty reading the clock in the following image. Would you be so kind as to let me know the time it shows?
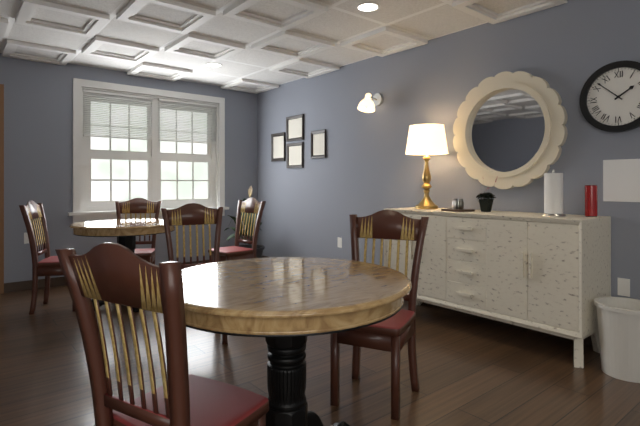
1:52
